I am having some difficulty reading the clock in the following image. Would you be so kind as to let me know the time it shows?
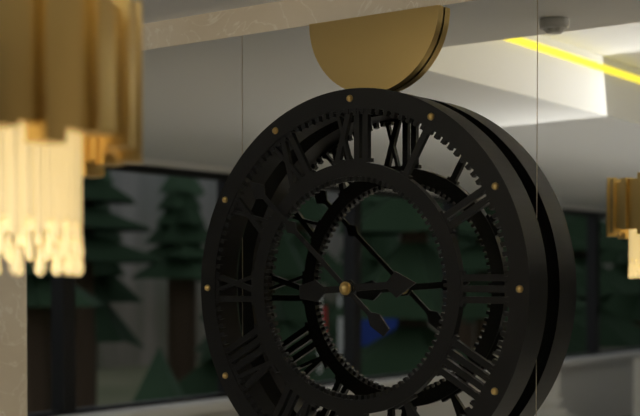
2:52
